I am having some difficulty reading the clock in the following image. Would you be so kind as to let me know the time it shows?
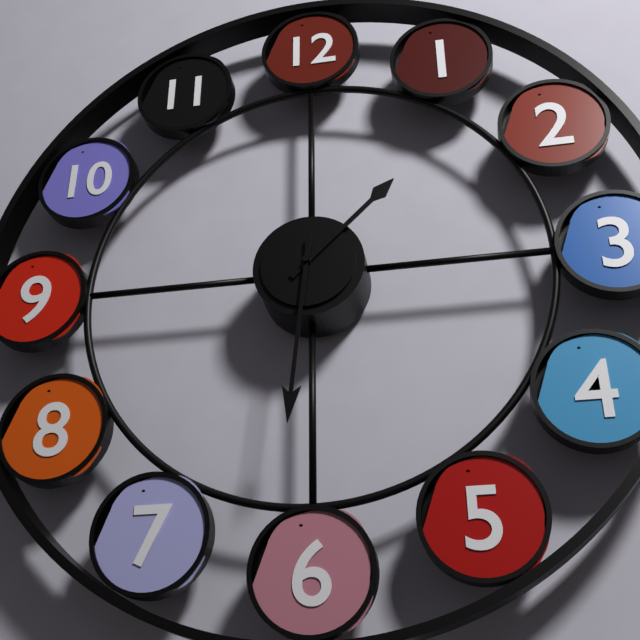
1:31
